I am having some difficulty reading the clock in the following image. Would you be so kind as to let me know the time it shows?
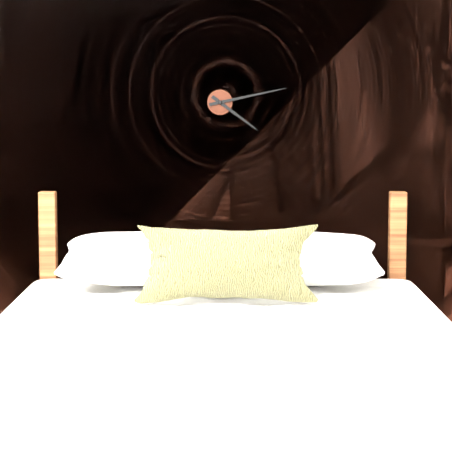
4:13
